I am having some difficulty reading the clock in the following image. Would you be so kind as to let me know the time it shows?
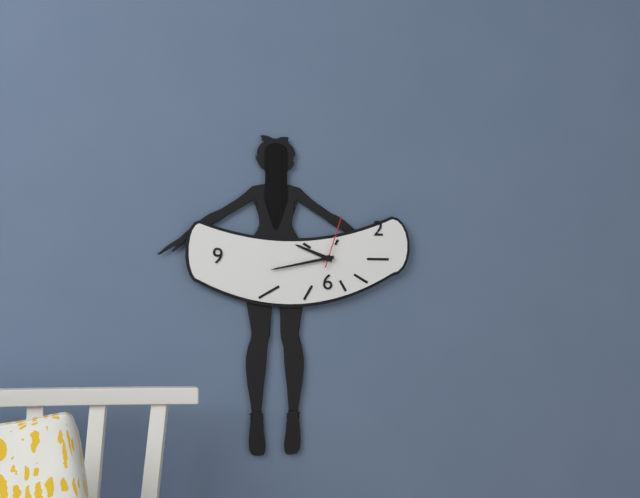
9:43:03
